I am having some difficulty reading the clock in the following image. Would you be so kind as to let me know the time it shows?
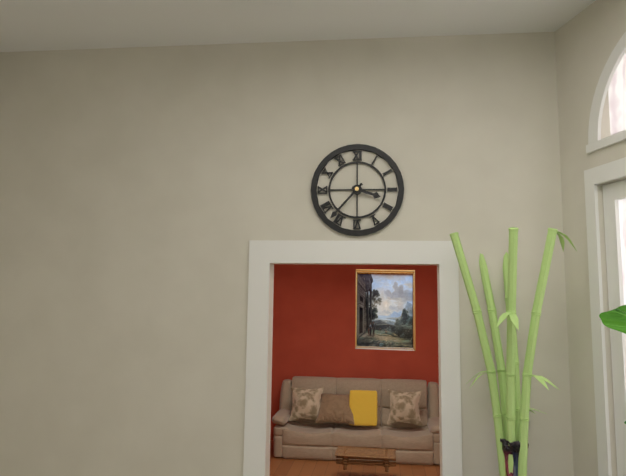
3:37
